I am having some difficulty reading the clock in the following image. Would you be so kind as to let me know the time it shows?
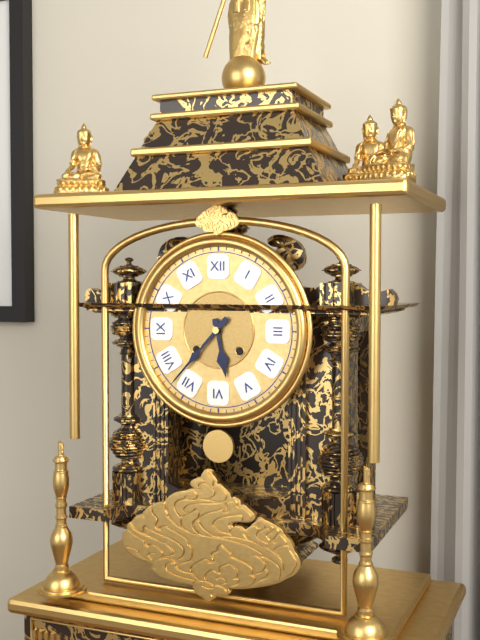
5:37
